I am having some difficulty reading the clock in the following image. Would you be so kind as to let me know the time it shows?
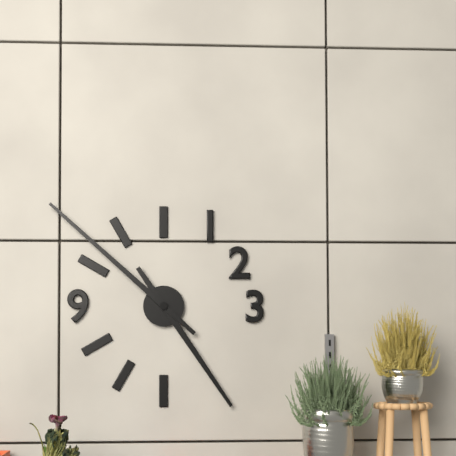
4:52
